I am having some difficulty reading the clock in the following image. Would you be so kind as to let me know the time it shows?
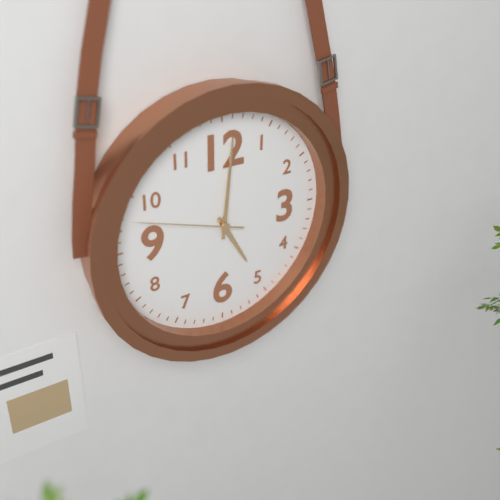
5:01:48
